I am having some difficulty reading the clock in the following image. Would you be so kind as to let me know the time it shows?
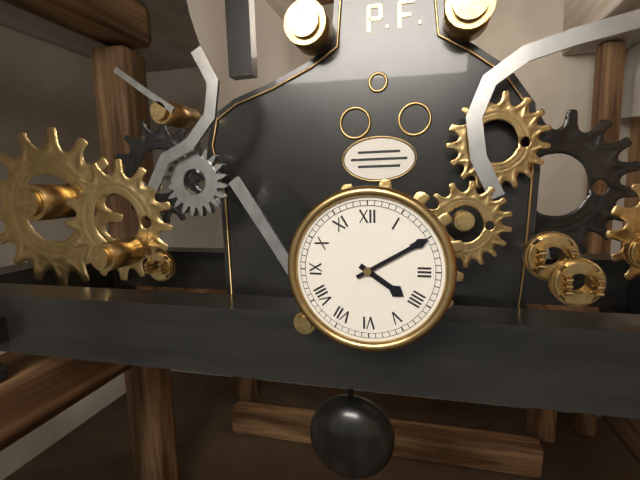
4:10
